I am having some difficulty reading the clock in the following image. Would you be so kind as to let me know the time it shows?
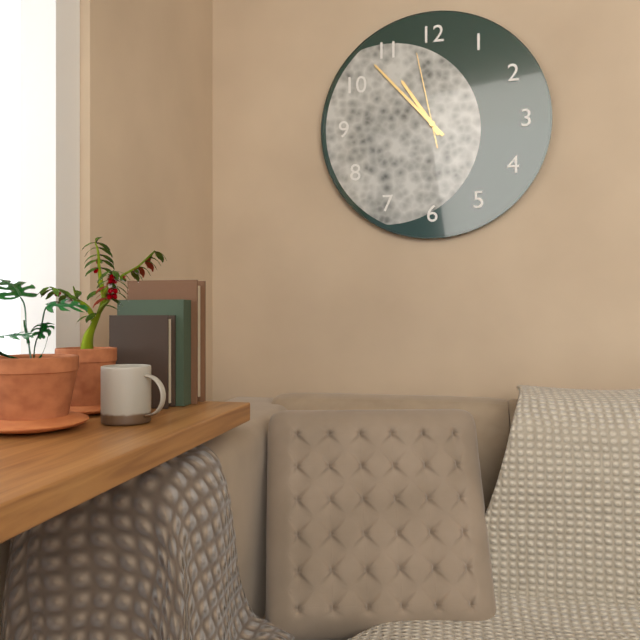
10:53:58
